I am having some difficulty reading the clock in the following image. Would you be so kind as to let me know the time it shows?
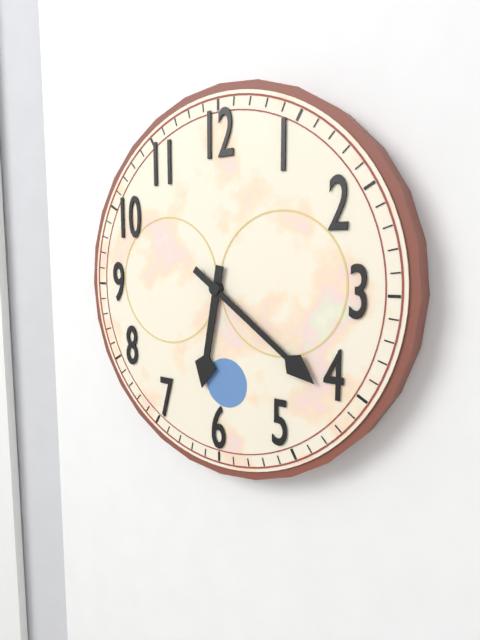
6:21
